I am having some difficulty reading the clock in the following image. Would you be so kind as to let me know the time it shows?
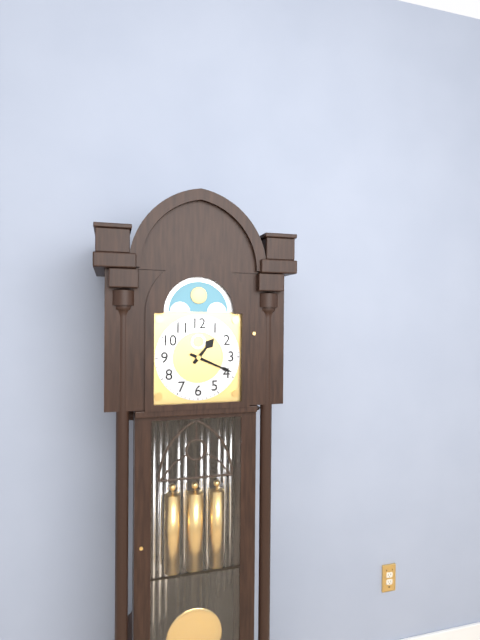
1:19
